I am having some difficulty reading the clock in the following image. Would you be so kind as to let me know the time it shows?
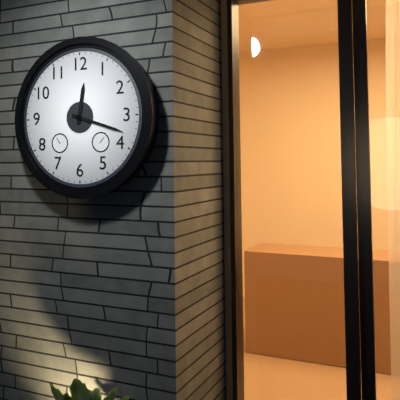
12:18
